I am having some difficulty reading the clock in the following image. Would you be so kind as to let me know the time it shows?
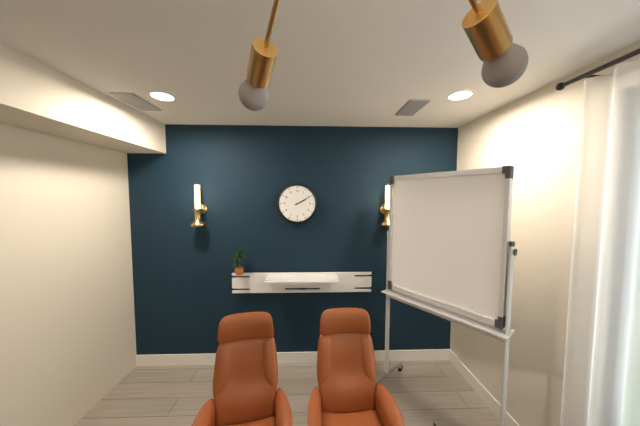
2:10
